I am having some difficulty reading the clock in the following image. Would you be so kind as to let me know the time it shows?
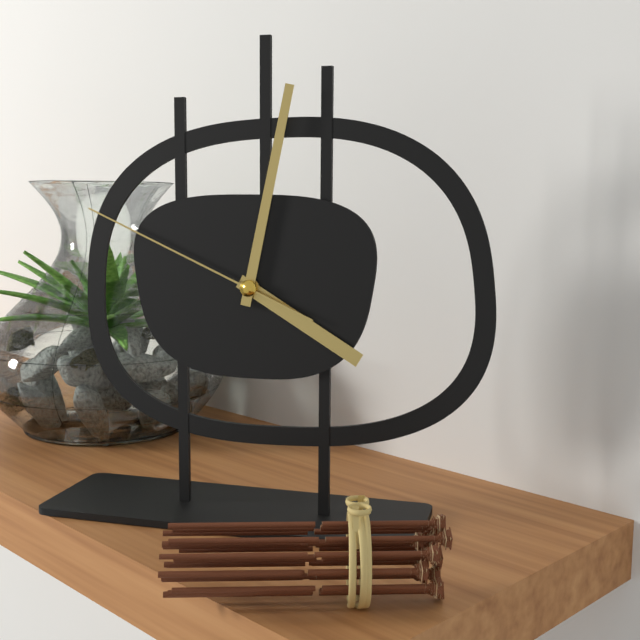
4:02:49
